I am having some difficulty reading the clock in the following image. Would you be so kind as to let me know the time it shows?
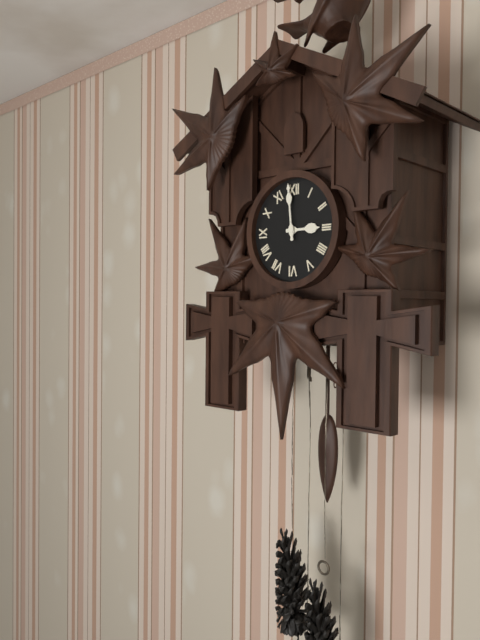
2:59
